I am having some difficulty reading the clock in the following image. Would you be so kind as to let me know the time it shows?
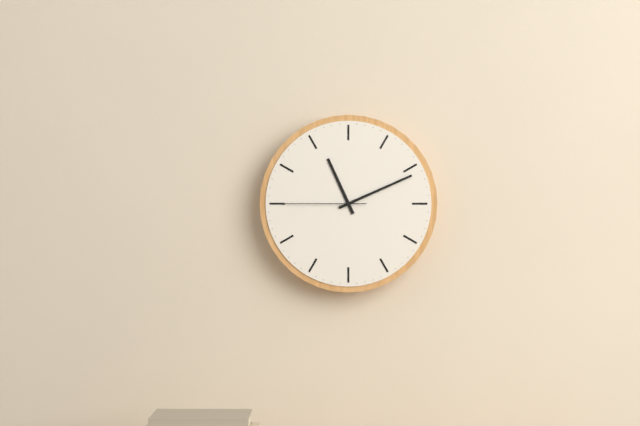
11:11:45
